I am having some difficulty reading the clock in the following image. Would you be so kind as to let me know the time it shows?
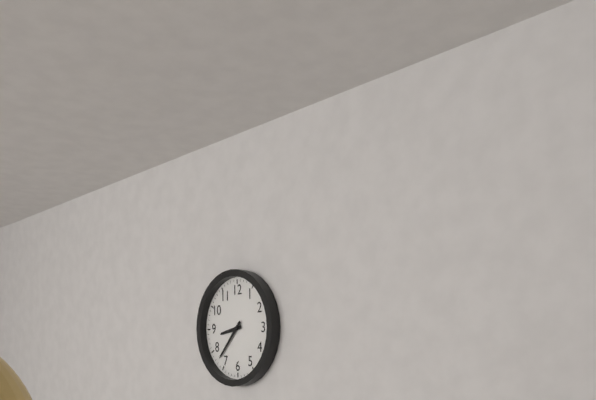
8:37
